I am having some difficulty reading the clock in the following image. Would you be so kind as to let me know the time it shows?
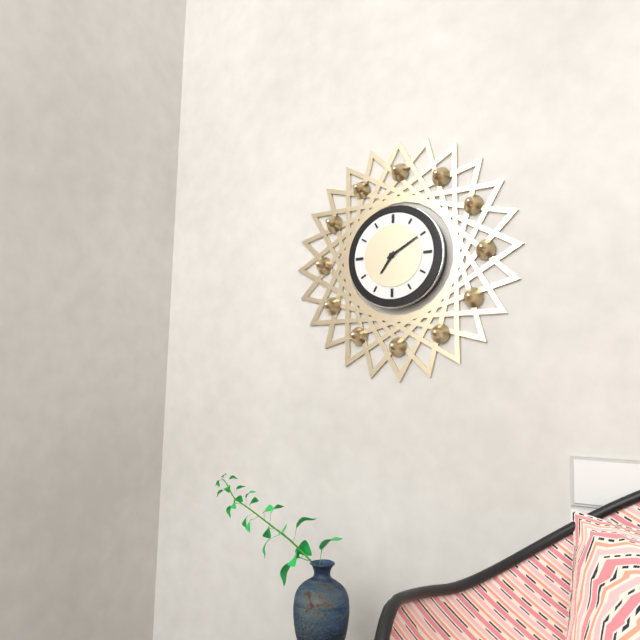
7:10
